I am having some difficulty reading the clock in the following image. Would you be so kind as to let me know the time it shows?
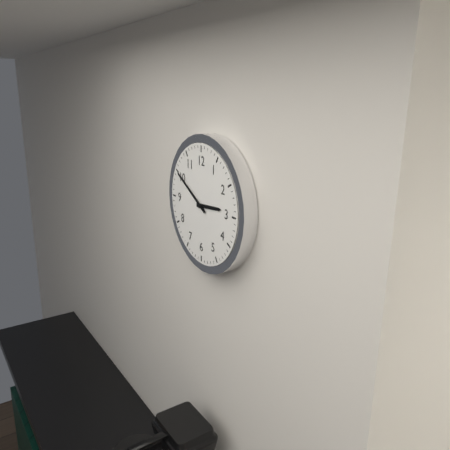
2:50
